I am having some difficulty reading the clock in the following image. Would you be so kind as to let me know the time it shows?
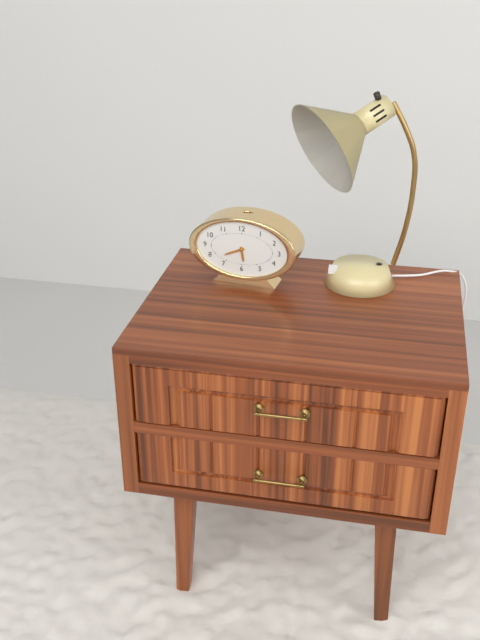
5:41
